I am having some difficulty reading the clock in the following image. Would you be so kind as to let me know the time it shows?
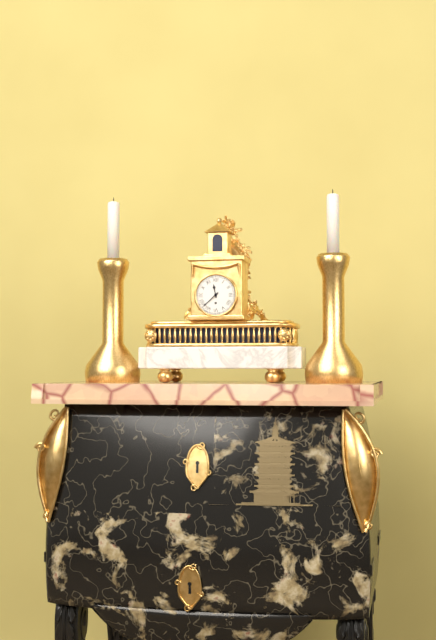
11:38
